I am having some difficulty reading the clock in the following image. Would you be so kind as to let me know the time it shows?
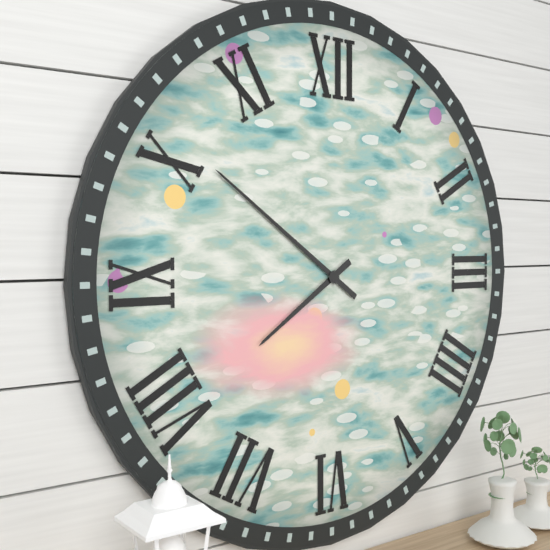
7:51
